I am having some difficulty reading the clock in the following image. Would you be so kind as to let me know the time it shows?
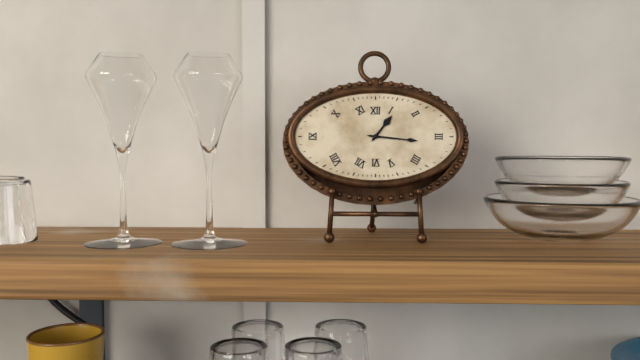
1:16
